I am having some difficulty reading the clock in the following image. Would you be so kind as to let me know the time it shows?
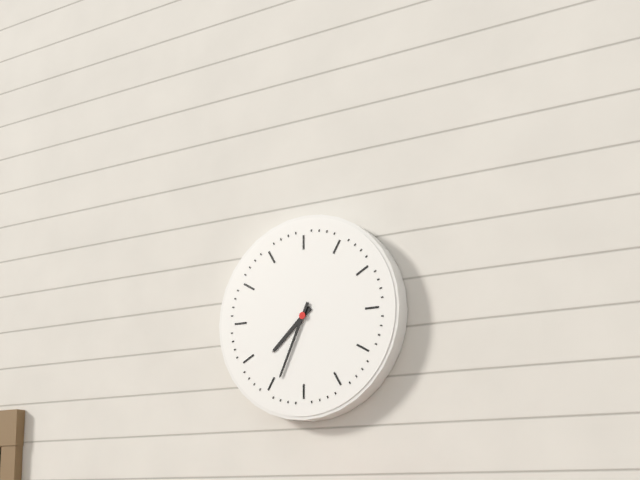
7:34
